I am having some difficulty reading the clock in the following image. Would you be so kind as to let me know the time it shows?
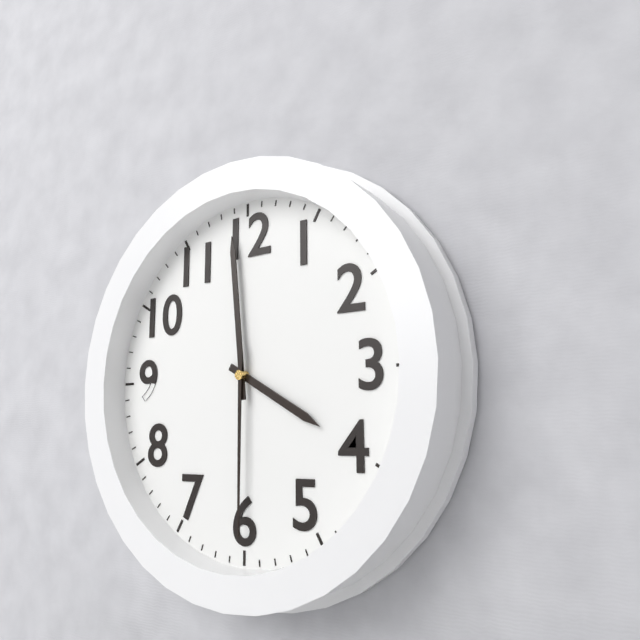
3:59:30
